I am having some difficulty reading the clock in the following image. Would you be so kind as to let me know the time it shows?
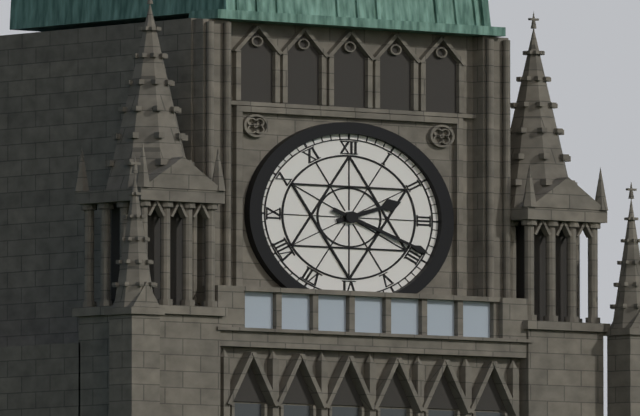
2:19
